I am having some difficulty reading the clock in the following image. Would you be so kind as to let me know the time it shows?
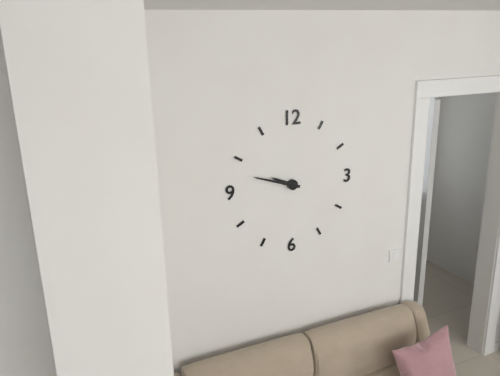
9:48
